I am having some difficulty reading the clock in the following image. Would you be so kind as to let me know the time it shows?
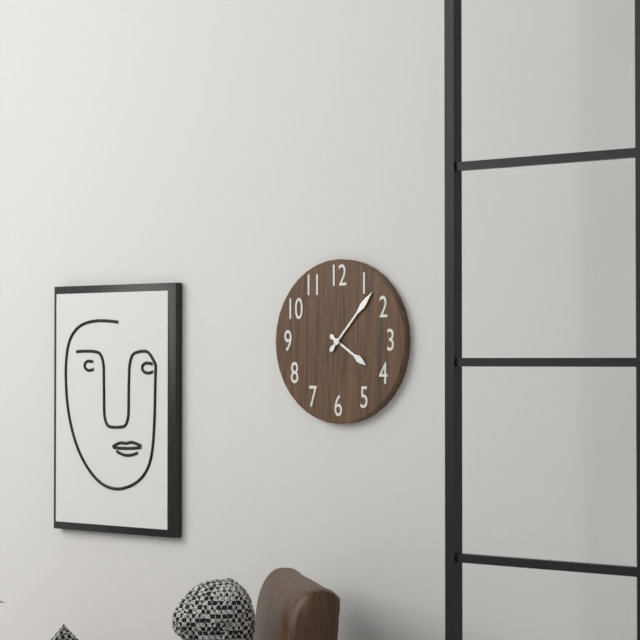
4:07
